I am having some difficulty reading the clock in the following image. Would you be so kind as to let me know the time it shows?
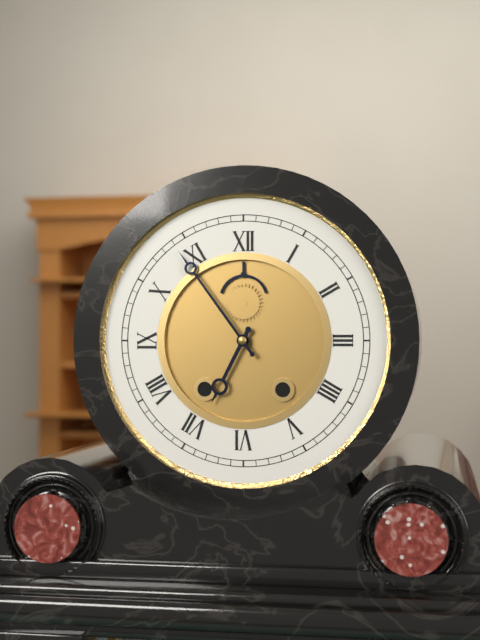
6:54
